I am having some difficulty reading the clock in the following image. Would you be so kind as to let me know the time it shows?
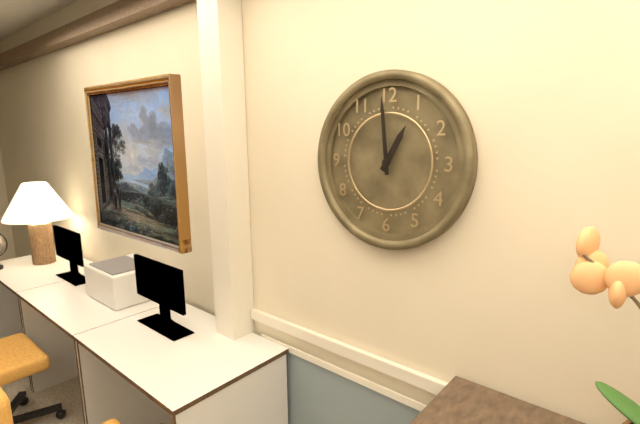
12:59
